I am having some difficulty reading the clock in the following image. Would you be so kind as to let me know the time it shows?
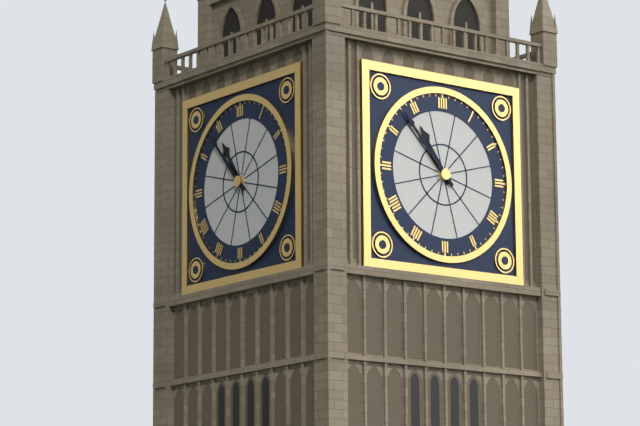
10:53
